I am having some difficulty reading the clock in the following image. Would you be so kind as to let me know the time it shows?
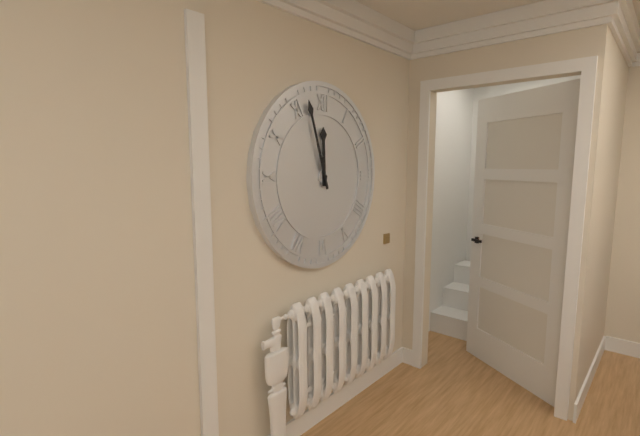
11:57
